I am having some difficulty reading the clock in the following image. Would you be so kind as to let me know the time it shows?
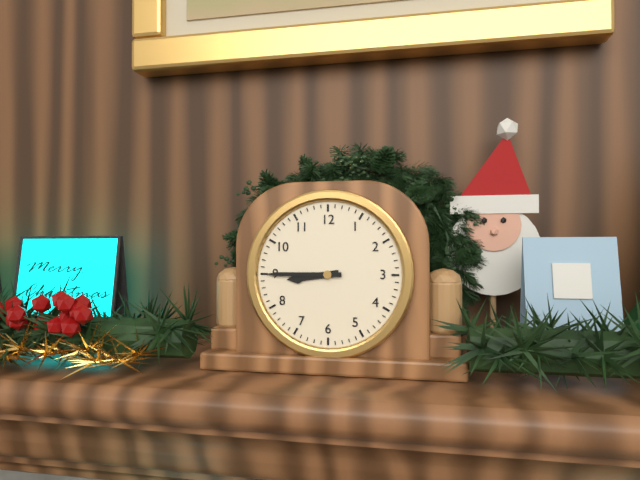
8:45
